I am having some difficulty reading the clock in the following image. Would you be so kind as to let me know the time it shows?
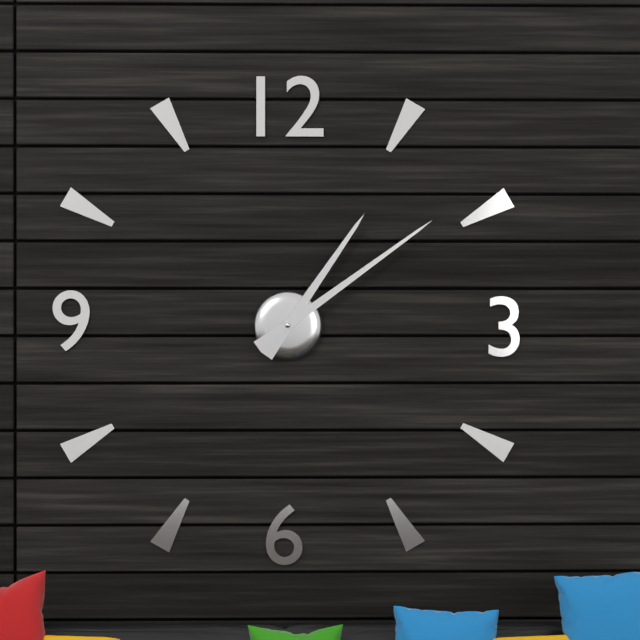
1:09
